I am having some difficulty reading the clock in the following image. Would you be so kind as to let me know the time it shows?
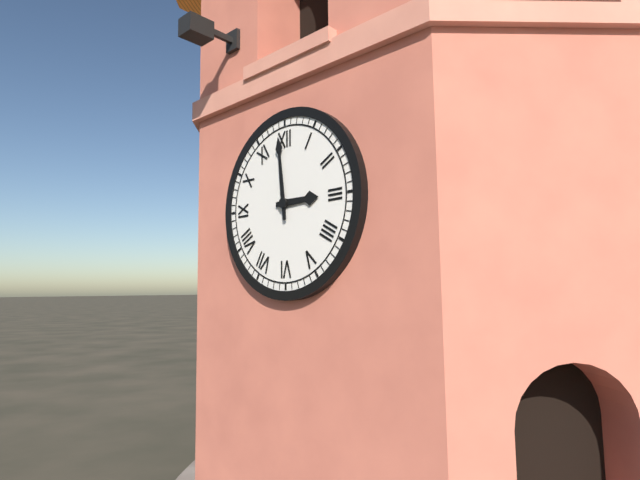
2:59
